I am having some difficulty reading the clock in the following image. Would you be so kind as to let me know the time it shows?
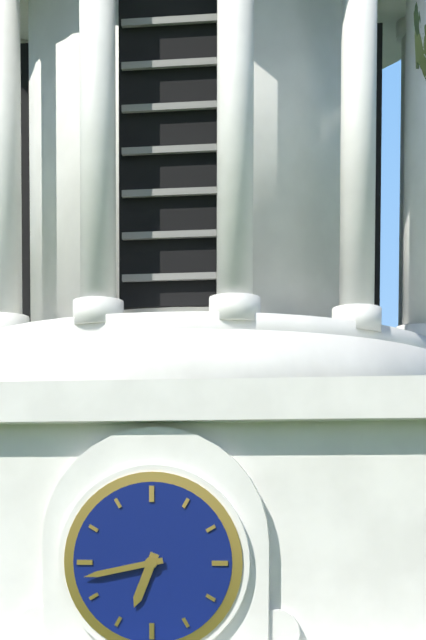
6:43
